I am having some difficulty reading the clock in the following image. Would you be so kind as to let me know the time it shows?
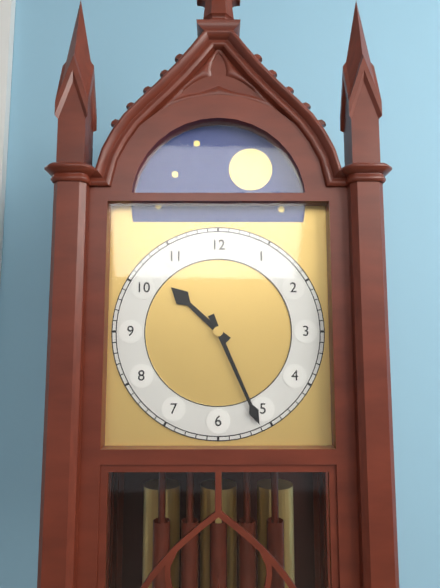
10:26
